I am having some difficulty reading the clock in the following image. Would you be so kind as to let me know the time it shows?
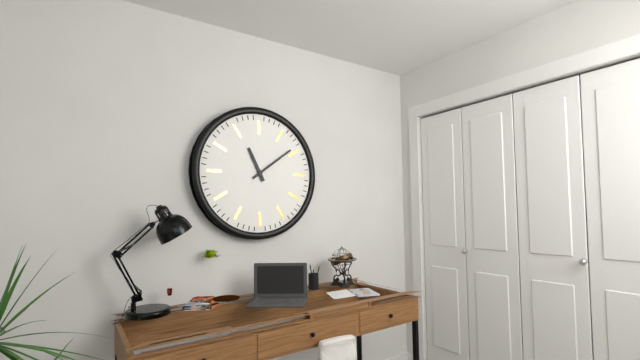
11:09
